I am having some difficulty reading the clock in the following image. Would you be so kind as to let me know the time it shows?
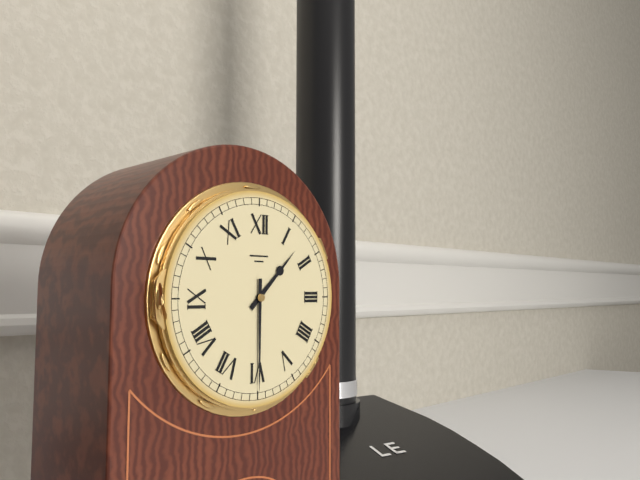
1:30
